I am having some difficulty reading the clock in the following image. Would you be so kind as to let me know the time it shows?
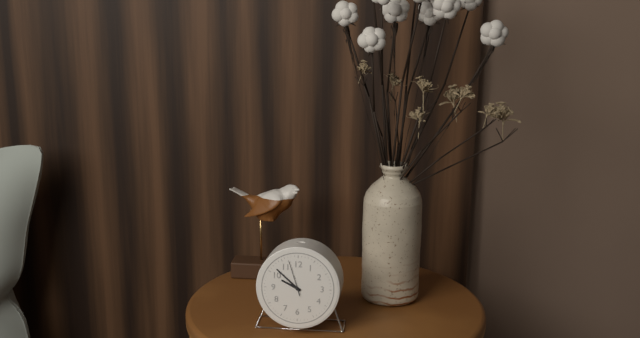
9:52
